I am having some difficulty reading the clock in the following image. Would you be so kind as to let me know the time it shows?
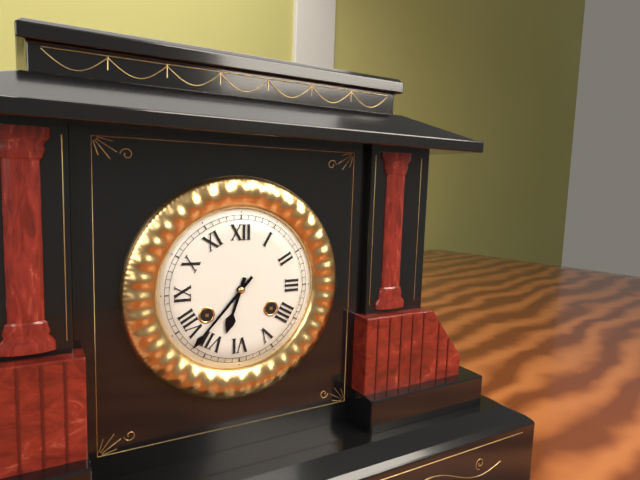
6:37
